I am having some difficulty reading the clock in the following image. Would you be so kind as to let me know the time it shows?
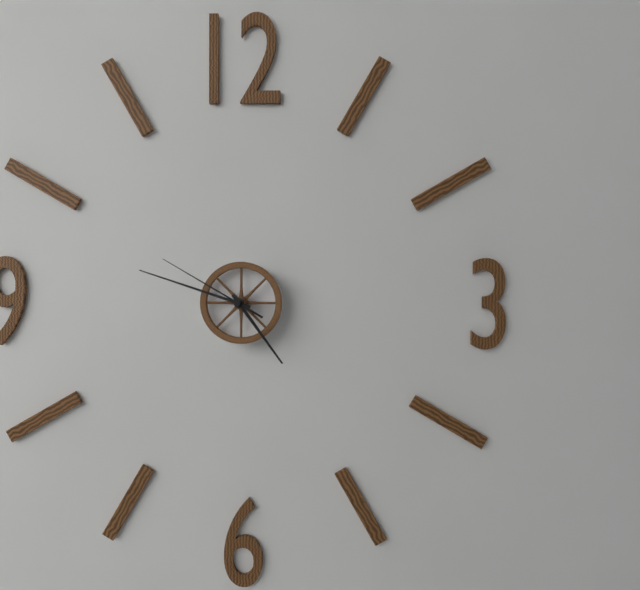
4:48:50
